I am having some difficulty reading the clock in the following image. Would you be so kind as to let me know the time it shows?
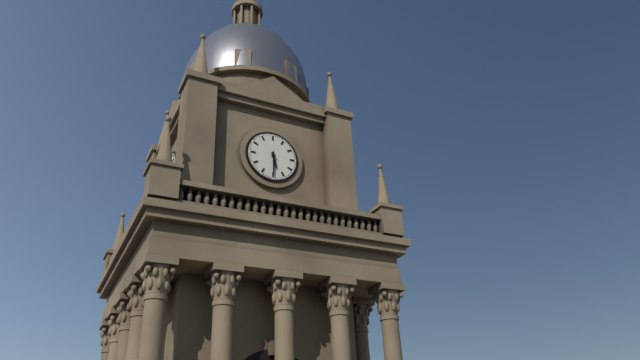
5:30
